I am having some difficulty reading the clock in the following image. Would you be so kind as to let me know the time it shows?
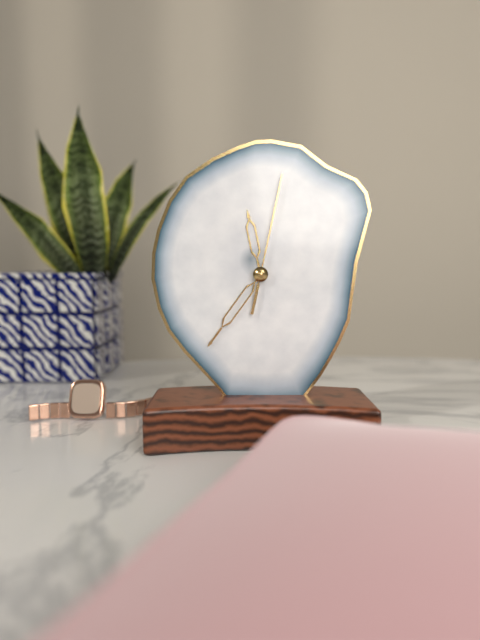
11:36:02
